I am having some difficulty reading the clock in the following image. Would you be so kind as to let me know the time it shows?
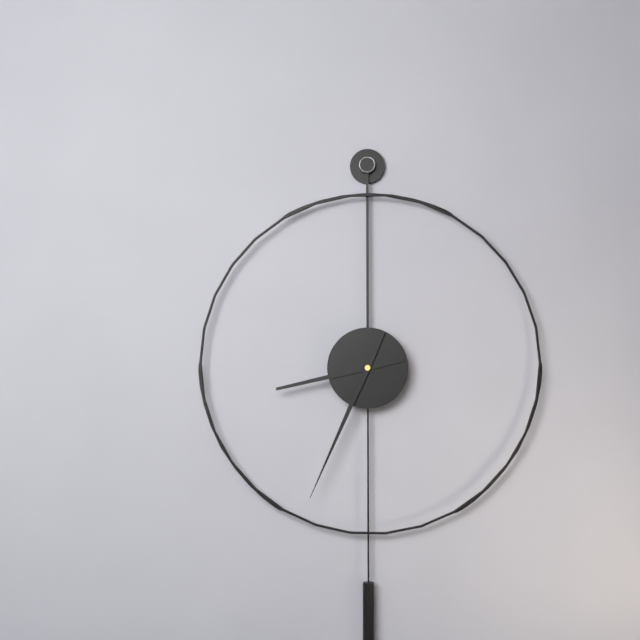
8:34
